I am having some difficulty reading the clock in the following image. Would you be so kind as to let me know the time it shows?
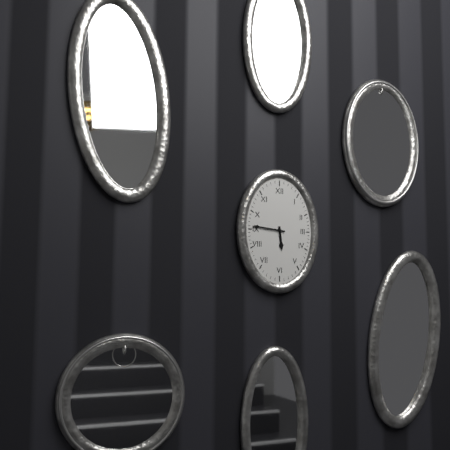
5:46
